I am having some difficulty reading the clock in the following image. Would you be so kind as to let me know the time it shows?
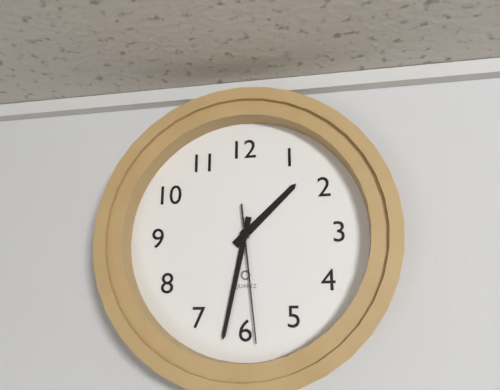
1:32:29
